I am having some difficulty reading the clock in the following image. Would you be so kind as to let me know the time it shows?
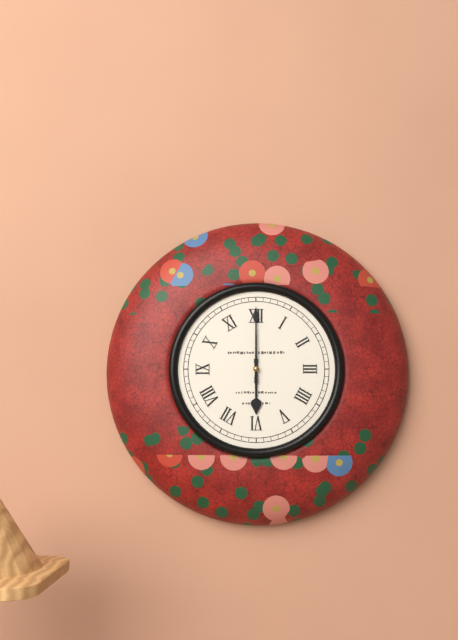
6:00
